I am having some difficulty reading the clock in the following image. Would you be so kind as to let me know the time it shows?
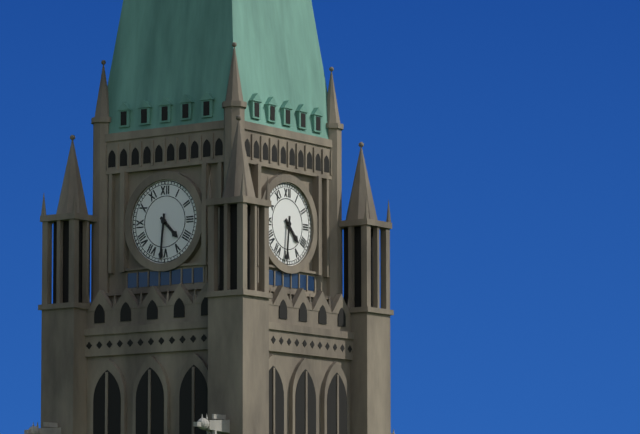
4:31
